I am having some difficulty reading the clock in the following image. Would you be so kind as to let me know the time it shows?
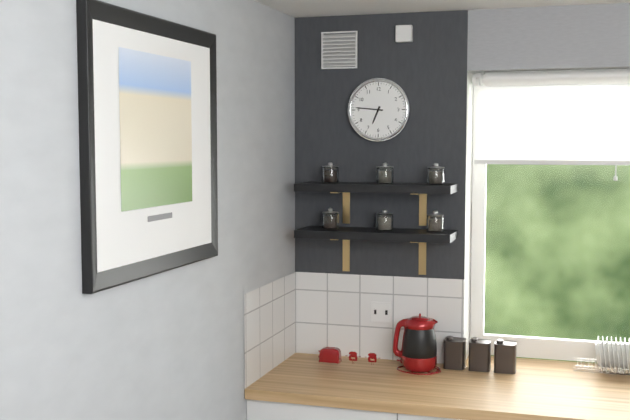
6:46
